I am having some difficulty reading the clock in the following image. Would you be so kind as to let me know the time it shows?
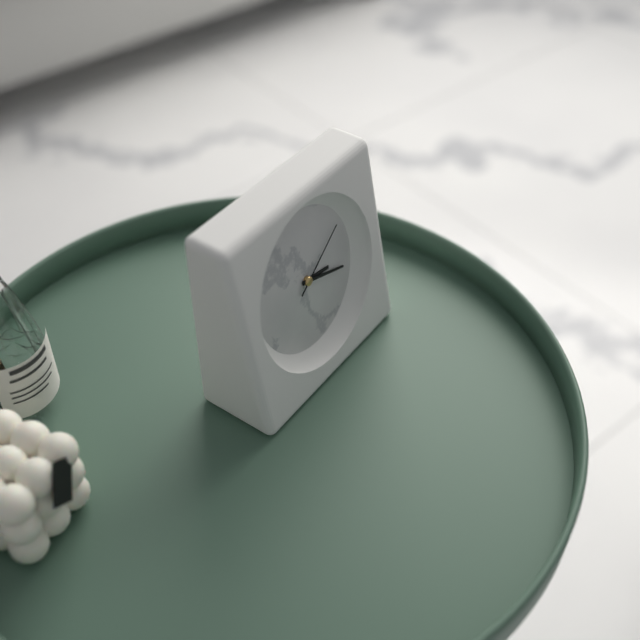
3:18:10
